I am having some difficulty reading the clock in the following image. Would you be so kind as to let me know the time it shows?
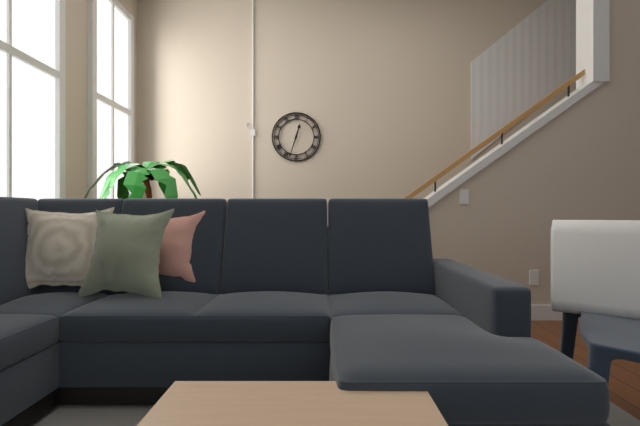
12:33
